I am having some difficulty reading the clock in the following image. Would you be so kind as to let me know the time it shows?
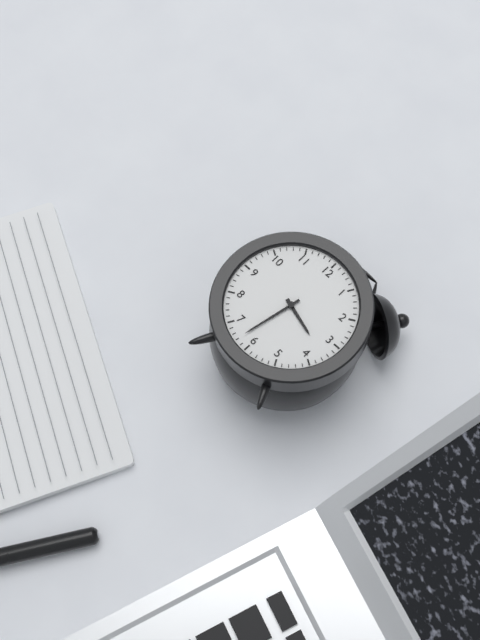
3:32
